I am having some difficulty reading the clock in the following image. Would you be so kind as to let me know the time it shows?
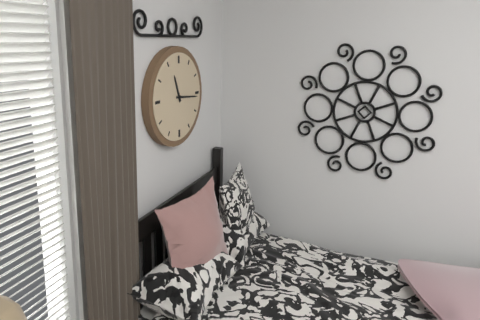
11:16
